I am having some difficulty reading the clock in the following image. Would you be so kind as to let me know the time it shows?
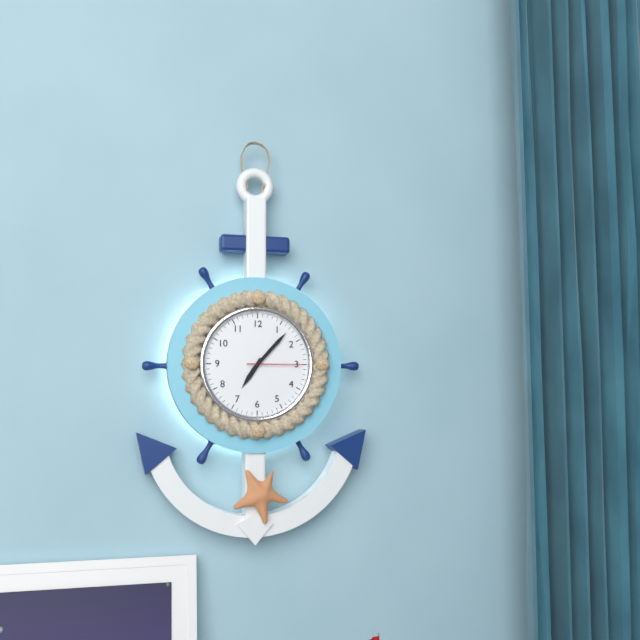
7:07:15
